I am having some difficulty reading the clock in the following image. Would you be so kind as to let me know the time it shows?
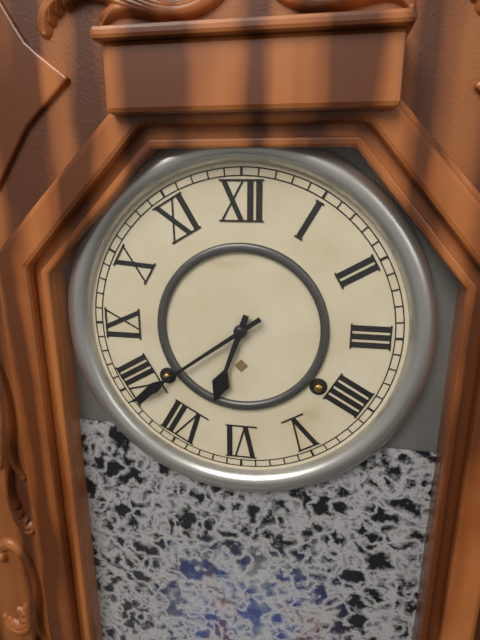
6:39
